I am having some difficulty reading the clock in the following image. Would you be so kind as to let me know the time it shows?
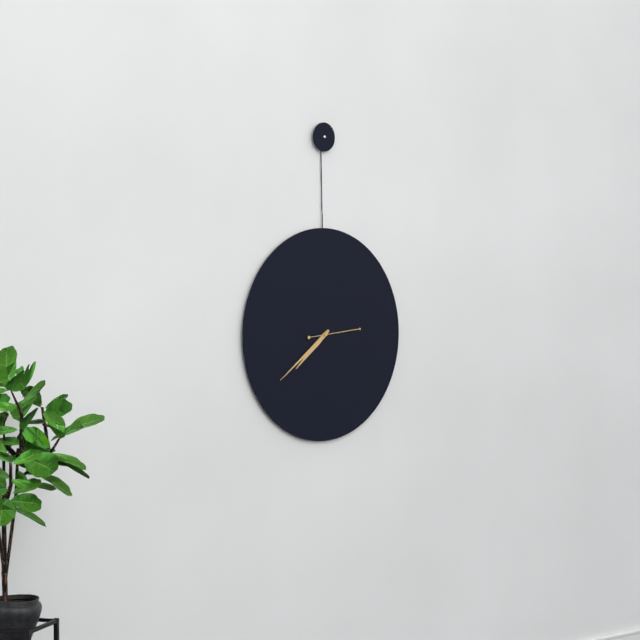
7:39
